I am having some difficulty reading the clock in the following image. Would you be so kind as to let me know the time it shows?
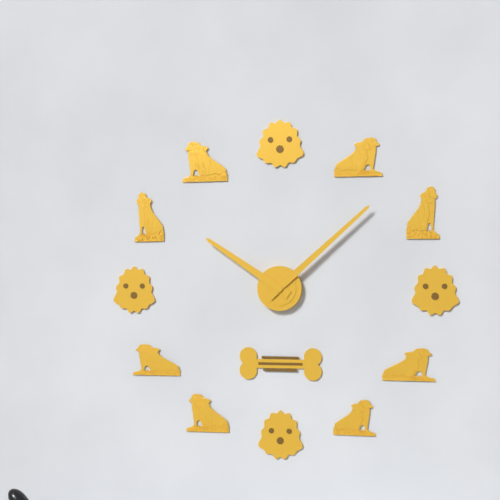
10:08
